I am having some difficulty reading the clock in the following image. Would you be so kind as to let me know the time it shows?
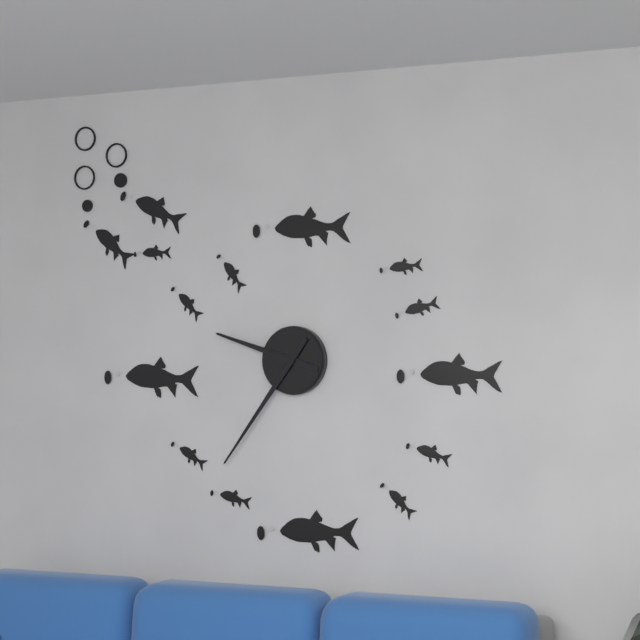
9:36
